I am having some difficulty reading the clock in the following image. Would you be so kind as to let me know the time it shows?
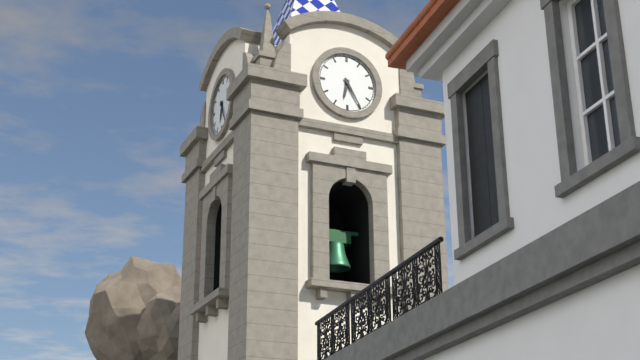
6:25
